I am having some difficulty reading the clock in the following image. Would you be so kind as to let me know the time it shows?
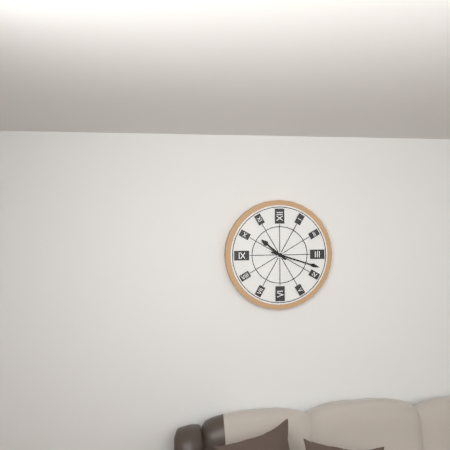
10:18
